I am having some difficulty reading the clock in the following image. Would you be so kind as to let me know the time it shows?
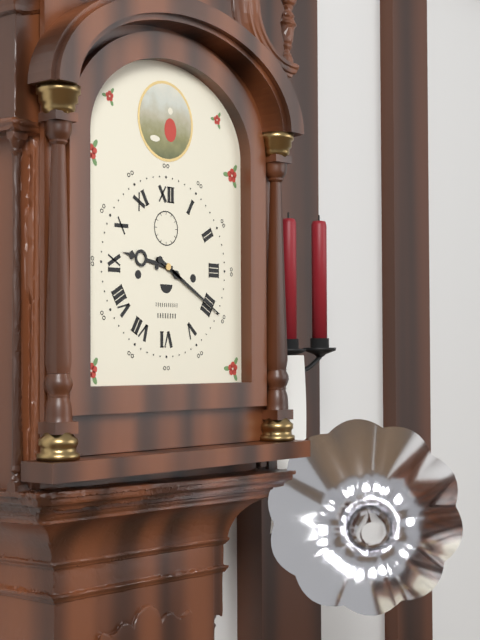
9:20
